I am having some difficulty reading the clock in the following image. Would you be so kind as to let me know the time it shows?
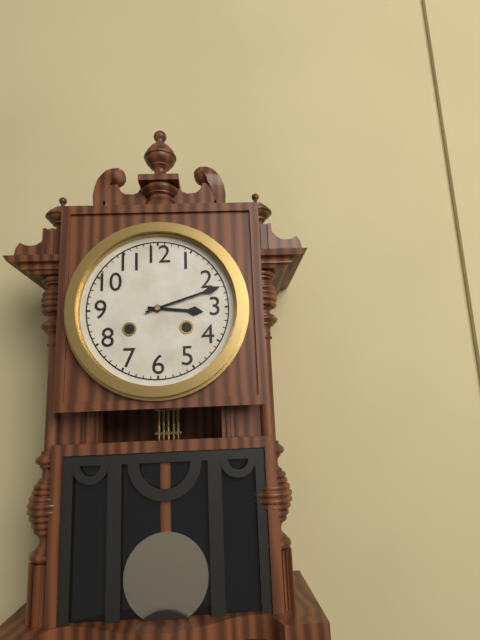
3:12
